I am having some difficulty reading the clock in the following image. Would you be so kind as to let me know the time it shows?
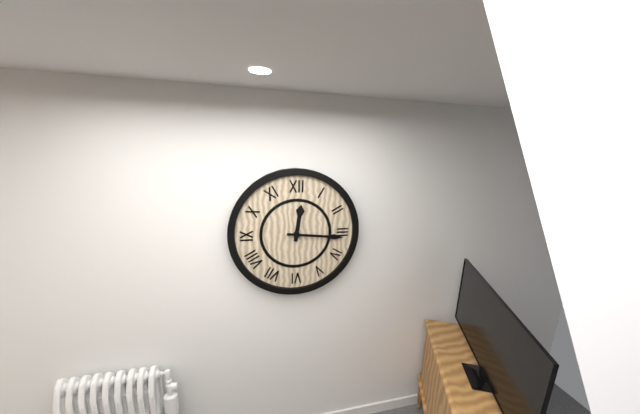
12:16
